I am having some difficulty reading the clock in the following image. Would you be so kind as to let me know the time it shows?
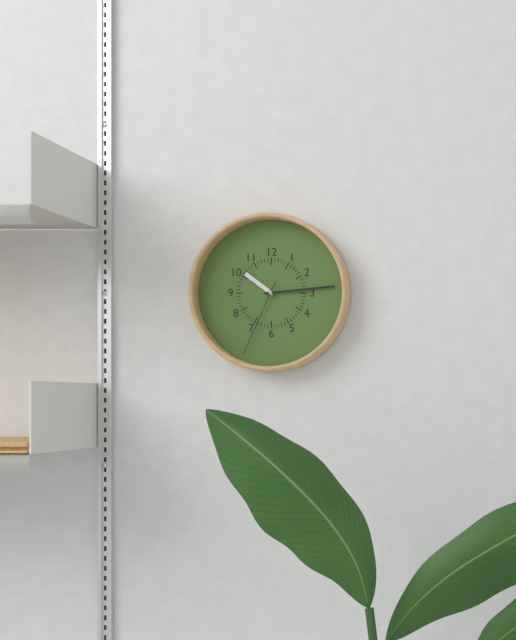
10:14:34
